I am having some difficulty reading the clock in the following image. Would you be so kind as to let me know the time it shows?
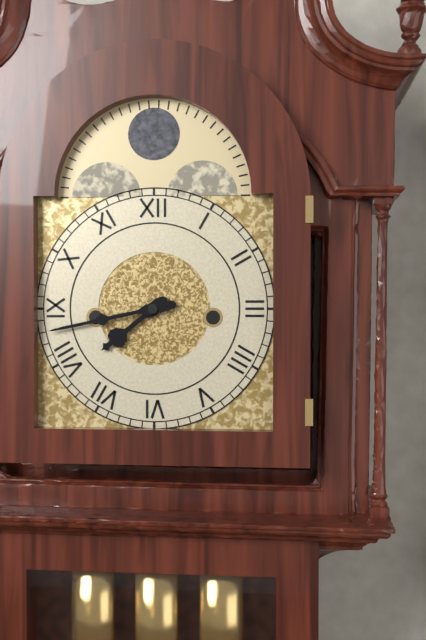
7:43
